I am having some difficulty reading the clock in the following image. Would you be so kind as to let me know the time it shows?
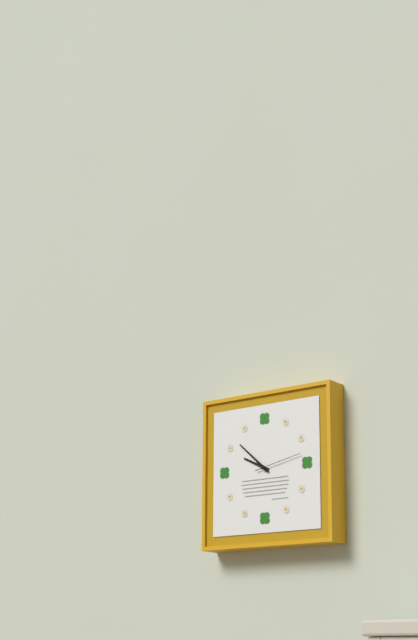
9:52
